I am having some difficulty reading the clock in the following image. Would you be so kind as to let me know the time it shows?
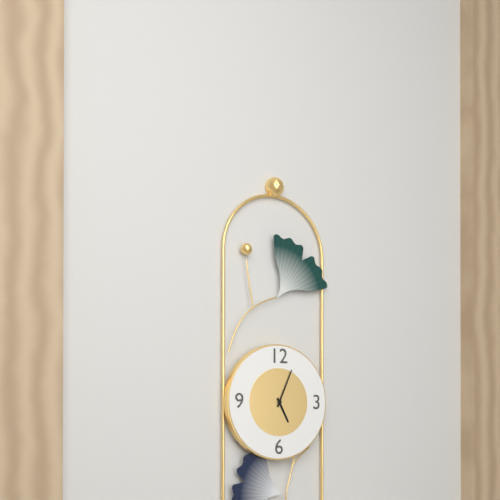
5:04
